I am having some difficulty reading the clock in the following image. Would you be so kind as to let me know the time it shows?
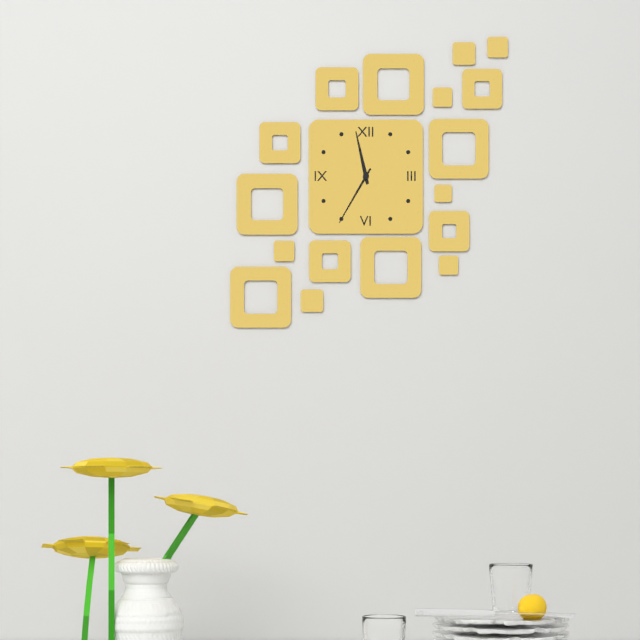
11:35
